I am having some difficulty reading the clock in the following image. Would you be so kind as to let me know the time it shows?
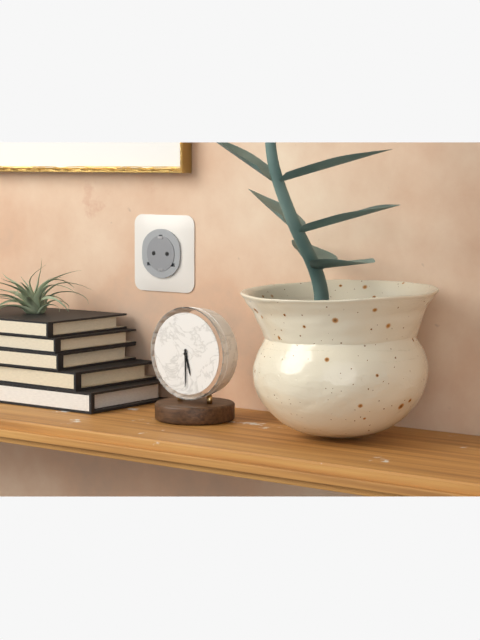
5:30
